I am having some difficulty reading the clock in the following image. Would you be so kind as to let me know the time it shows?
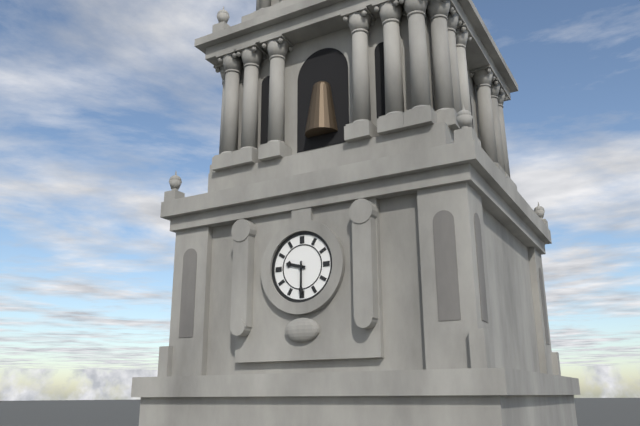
9:30
